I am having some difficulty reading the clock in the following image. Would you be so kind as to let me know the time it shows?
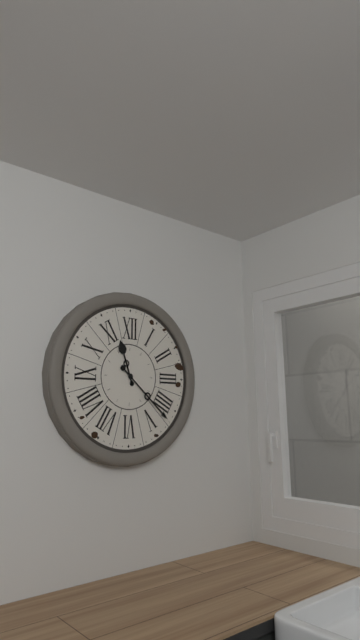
11:22
